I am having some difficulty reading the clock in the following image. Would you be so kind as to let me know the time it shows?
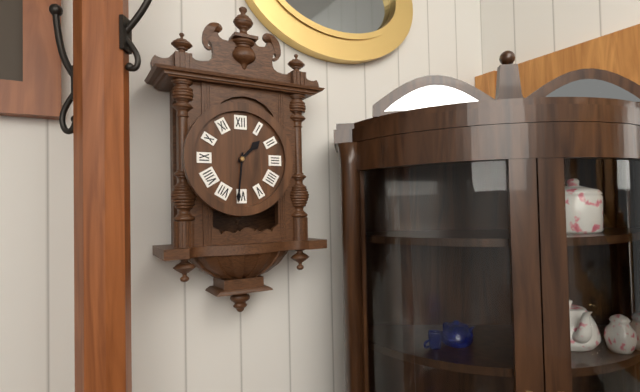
1:31
